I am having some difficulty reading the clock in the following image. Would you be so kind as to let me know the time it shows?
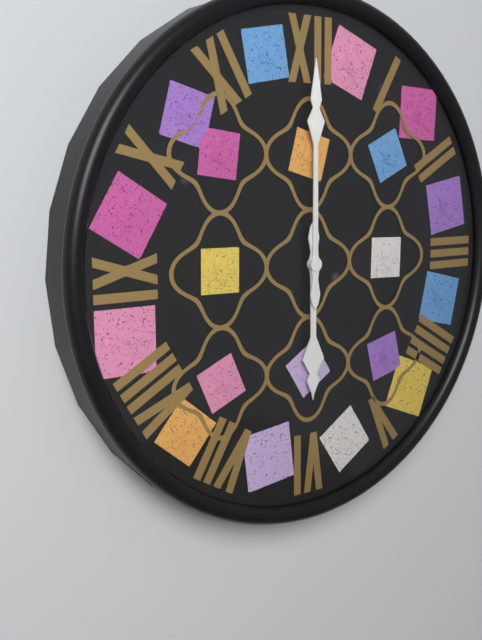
6:00
